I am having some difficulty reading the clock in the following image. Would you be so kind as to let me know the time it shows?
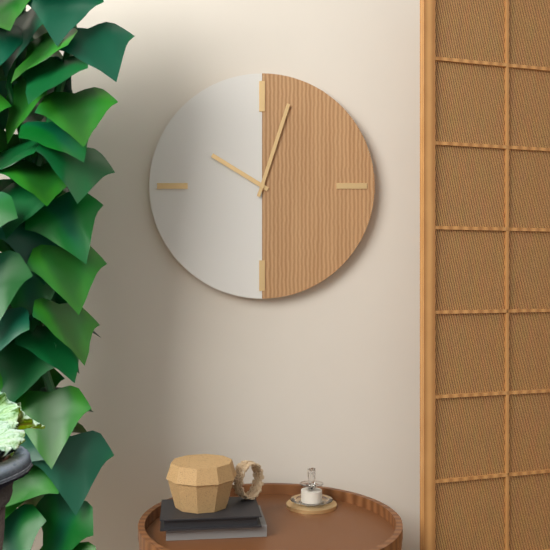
10:03
